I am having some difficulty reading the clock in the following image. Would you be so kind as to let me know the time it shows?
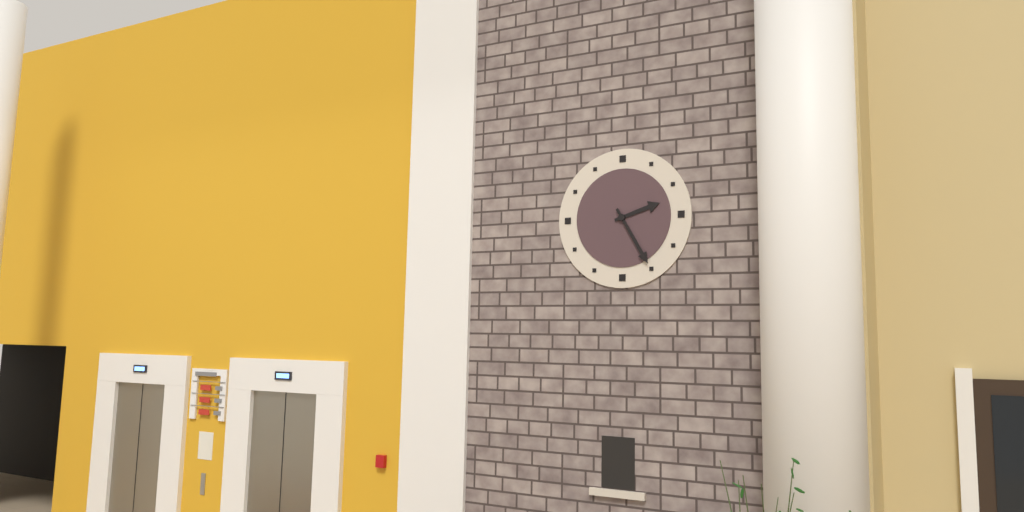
2:25
